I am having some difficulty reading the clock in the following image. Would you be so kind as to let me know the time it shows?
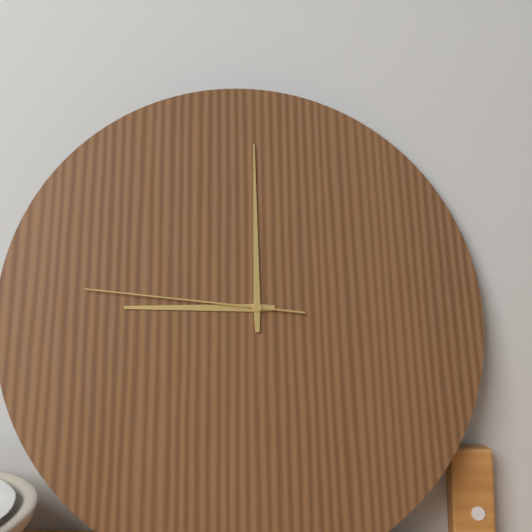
9:00:46
